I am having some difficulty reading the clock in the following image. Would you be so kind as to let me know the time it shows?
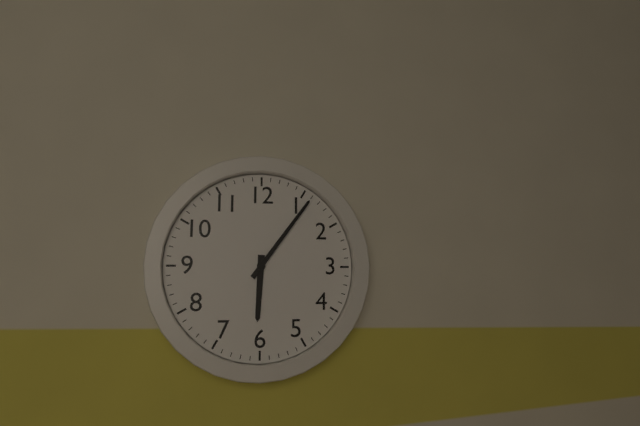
6:06
